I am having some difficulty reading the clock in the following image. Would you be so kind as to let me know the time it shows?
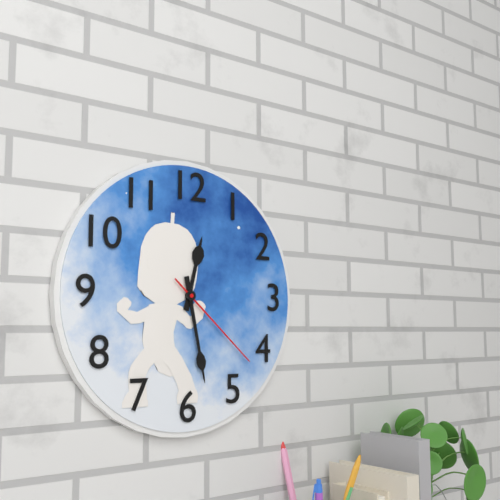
12:28:22
